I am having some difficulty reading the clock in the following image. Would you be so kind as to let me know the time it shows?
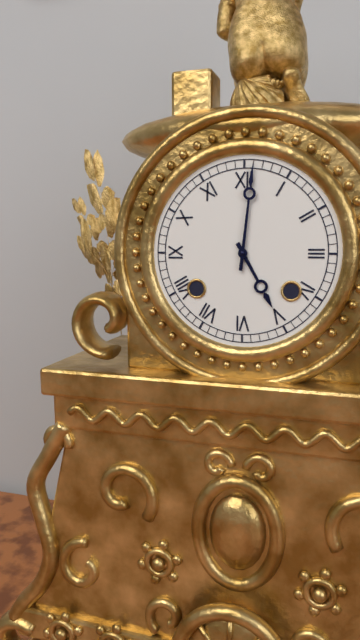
5:01
